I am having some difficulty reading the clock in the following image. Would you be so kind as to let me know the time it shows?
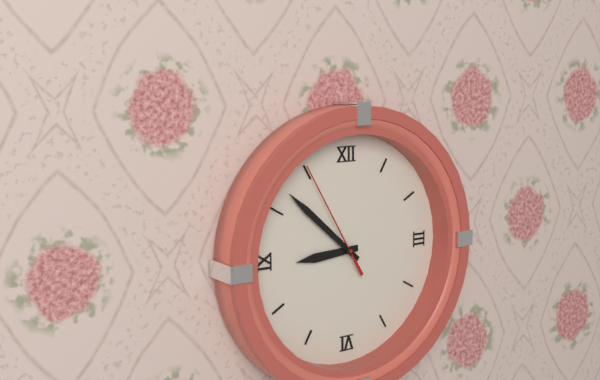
8:52:55
